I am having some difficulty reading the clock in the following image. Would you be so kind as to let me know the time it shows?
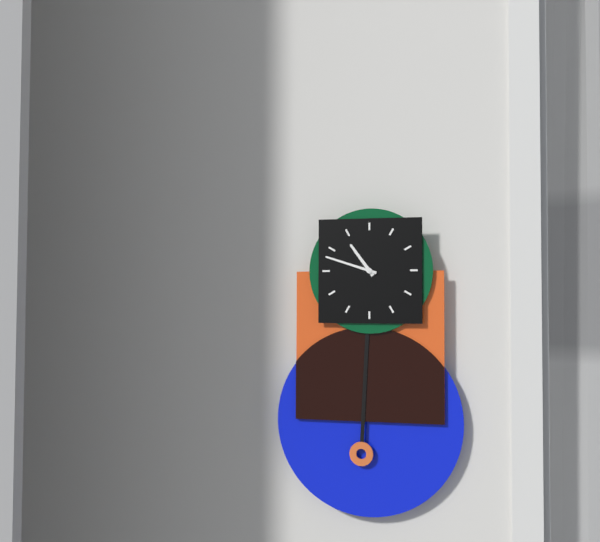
10:48
